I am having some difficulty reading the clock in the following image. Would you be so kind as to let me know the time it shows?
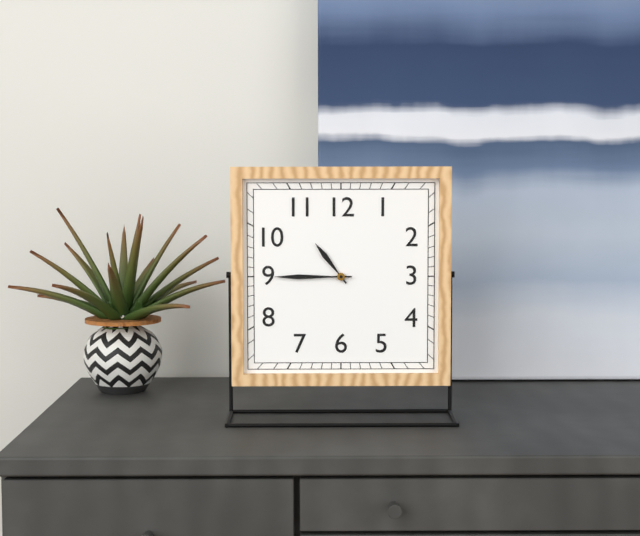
10:45
